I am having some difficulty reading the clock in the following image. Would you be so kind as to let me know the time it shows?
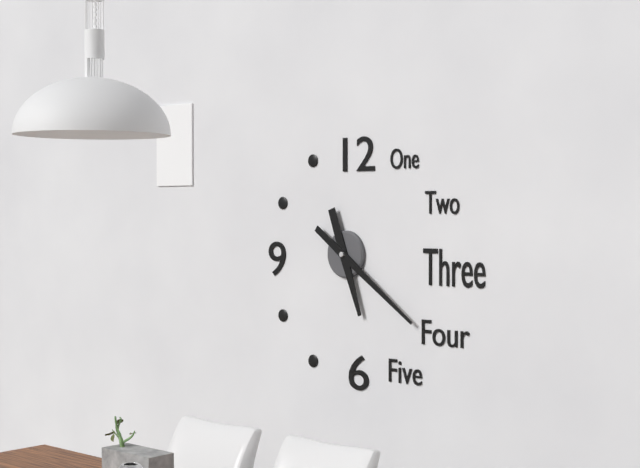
5:21
